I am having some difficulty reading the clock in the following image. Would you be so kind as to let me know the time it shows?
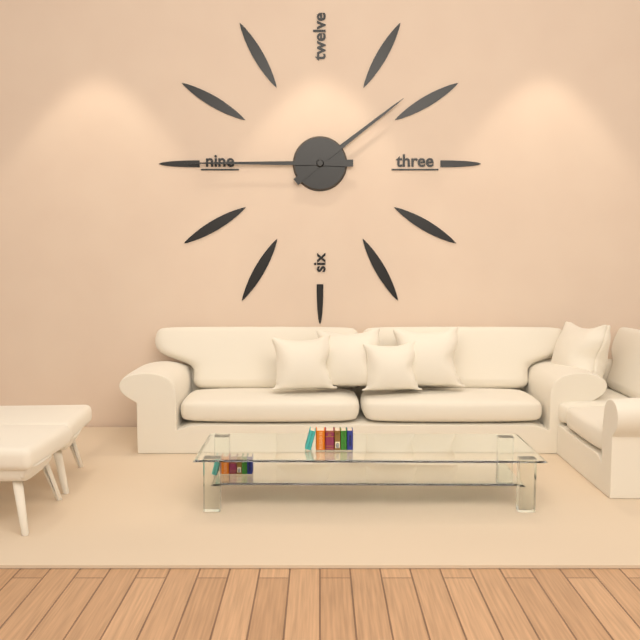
1:45
